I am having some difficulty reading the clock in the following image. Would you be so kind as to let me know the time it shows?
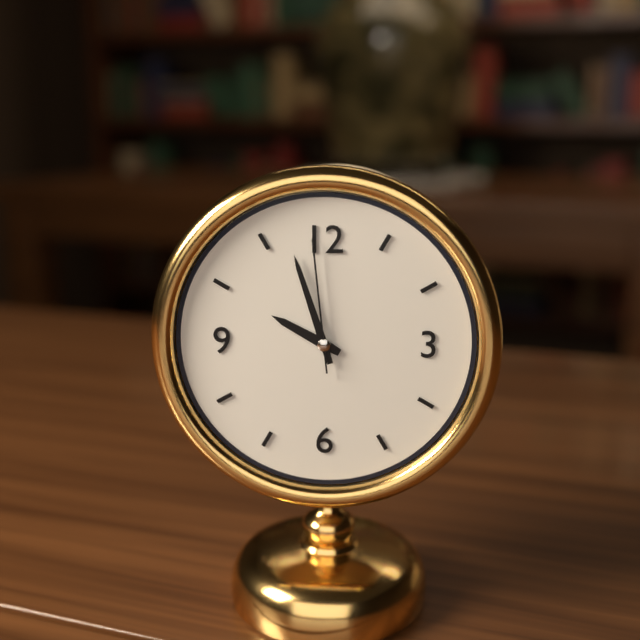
9:57:59
